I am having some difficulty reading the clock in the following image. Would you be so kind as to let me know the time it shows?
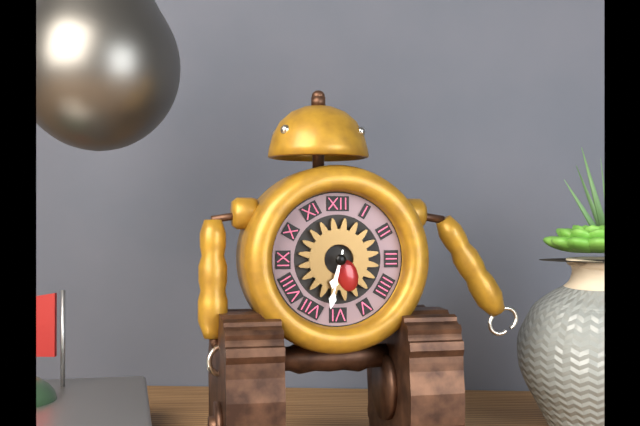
6:32
